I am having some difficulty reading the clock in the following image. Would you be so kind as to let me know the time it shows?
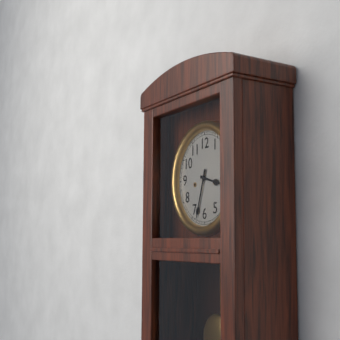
3:33
